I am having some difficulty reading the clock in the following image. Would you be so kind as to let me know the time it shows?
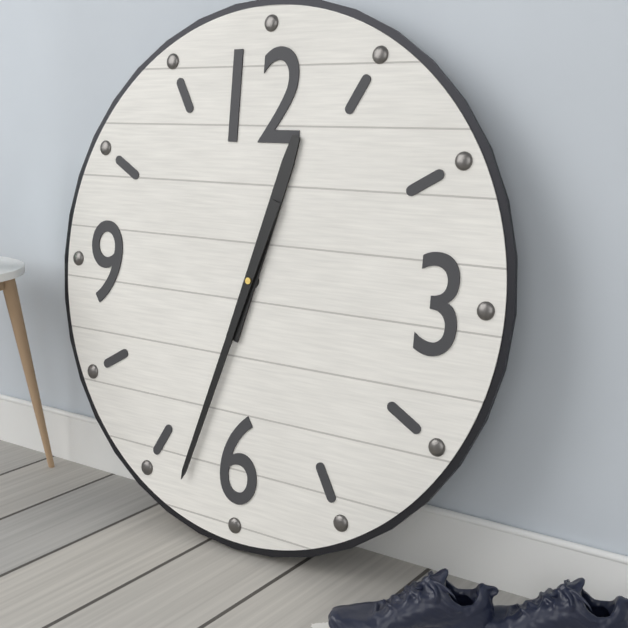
12:33
